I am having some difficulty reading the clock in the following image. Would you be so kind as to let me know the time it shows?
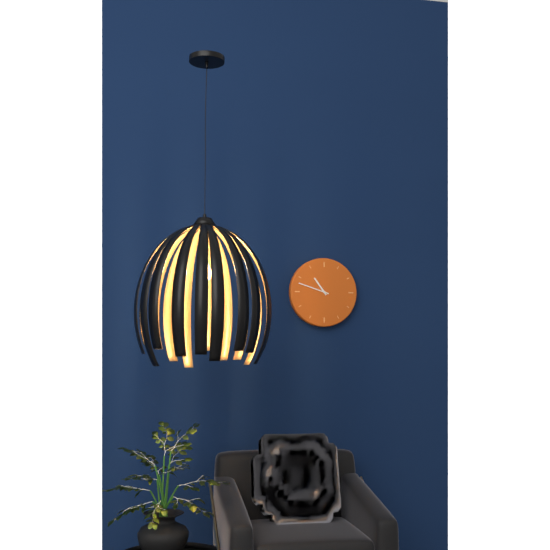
10:48
